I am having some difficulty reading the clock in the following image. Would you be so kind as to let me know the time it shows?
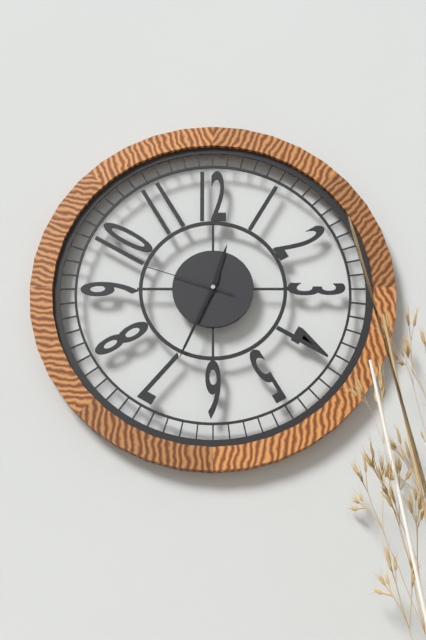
12:34:48
